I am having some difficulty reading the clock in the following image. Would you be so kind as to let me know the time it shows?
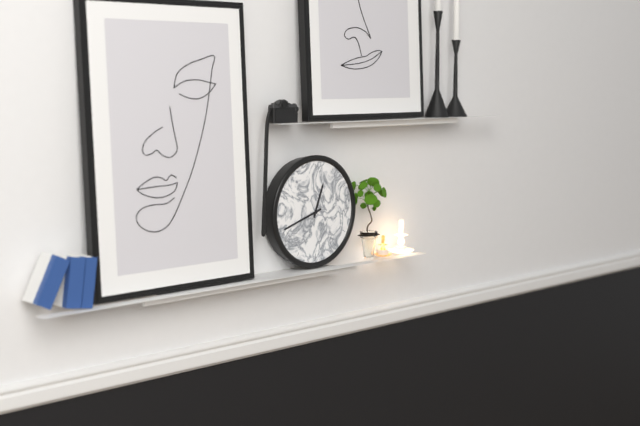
12:42
